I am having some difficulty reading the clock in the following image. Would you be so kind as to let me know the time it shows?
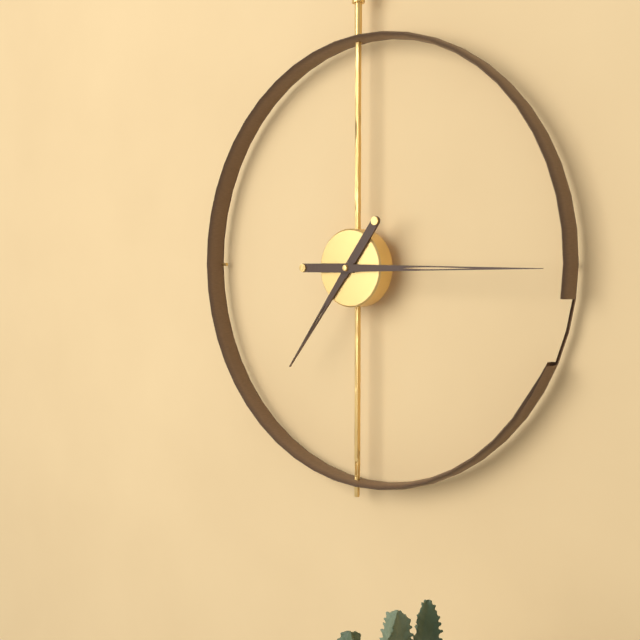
7:15
